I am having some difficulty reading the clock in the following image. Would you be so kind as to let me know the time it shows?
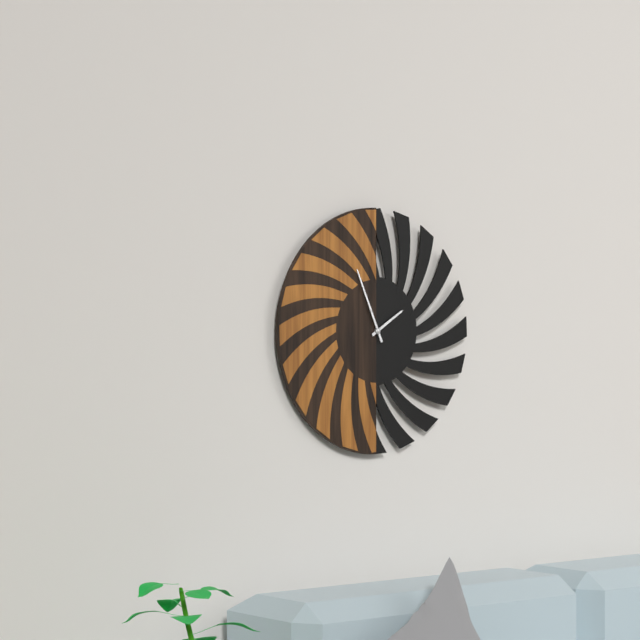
1:56
